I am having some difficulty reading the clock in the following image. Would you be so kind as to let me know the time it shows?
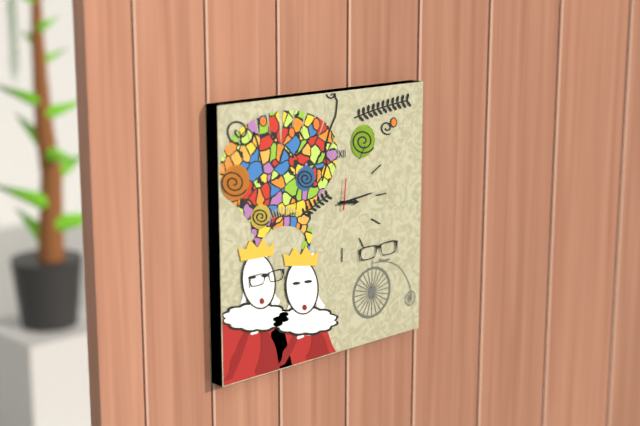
3:14
